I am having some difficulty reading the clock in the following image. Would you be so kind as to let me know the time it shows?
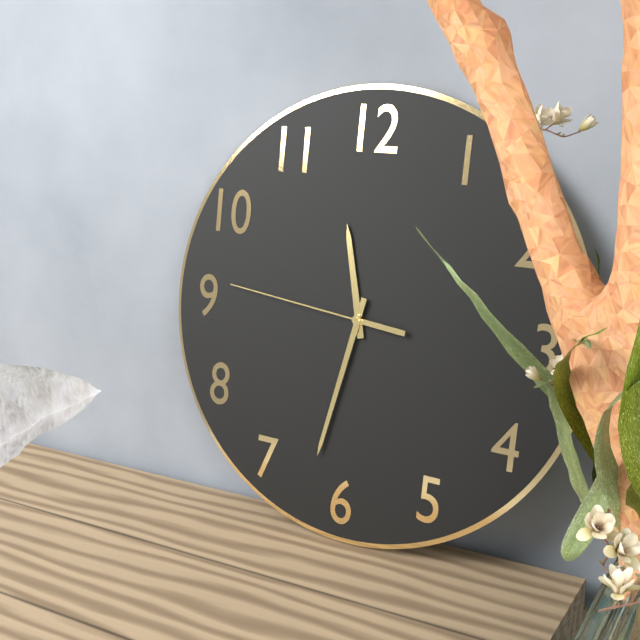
11:32:46
